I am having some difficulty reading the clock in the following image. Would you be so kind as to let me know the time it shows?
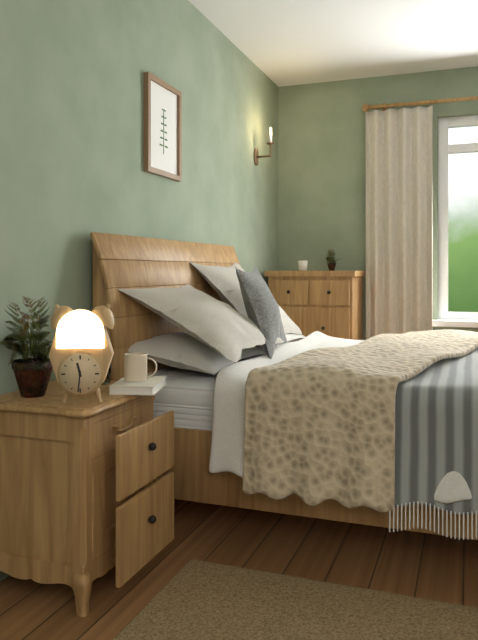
11:31
